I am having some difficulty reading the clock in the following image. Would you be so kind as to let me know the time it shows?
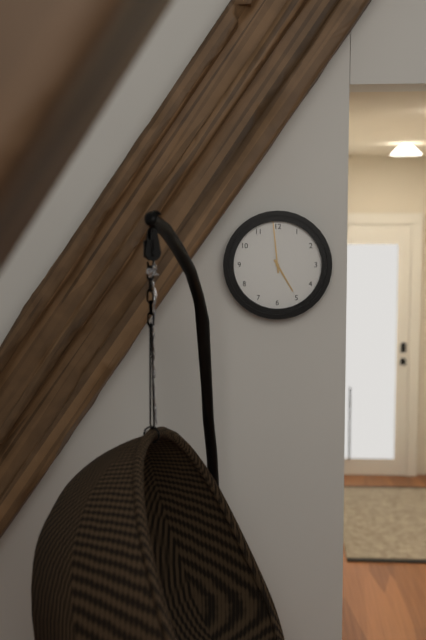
4:59
